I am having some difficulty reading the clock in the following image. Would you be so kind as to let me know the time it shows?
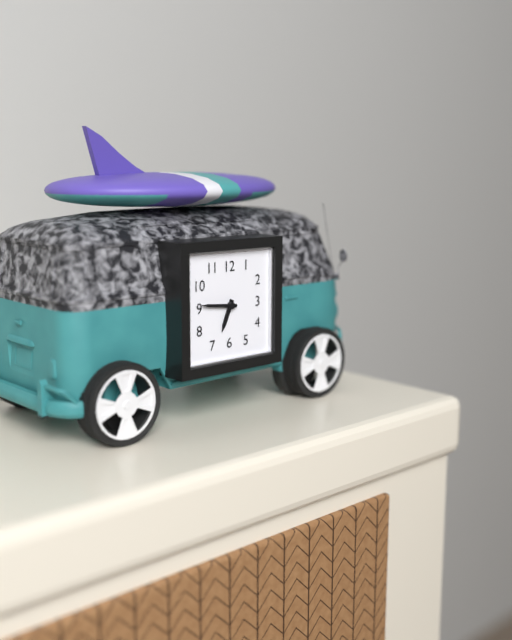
6:46
